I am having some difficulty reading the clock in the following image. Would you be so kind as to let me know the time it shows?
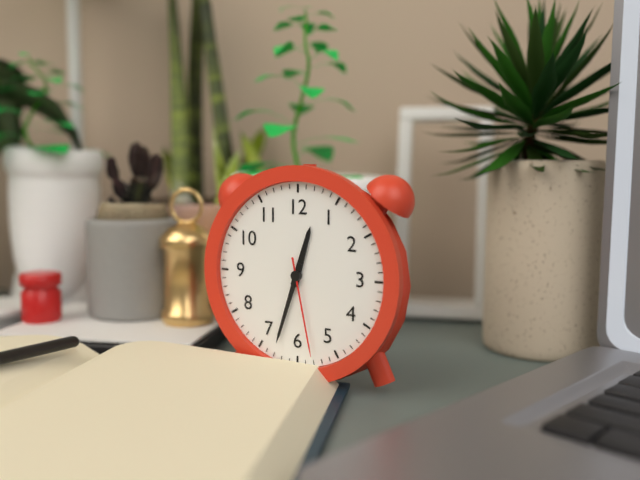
12:33:28
